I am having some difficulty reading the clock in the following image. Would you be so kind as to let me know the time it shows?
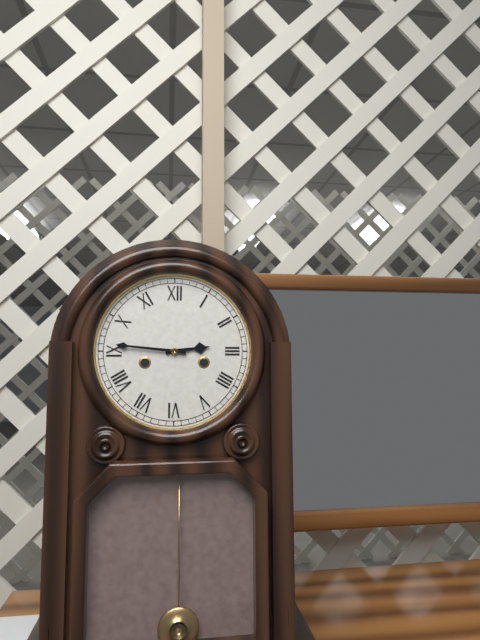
2:46
